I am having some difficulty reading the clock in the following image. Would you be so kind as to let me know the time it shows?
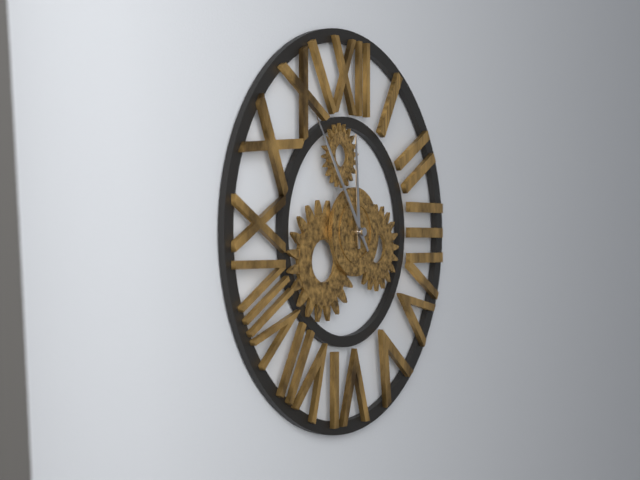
11:54
